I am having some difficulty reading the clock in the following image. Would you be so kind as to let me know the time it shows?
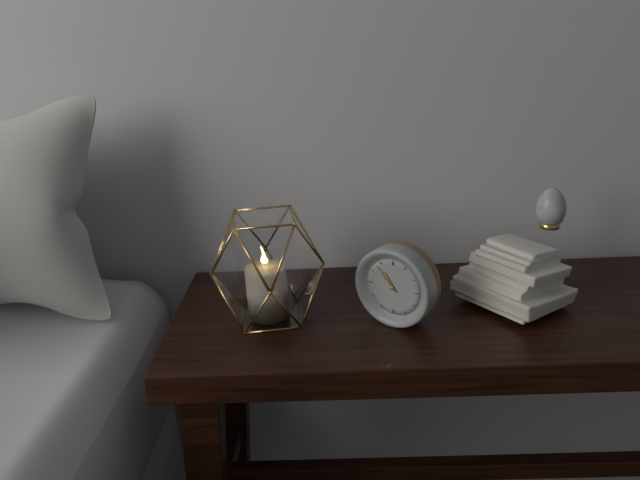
10:53
